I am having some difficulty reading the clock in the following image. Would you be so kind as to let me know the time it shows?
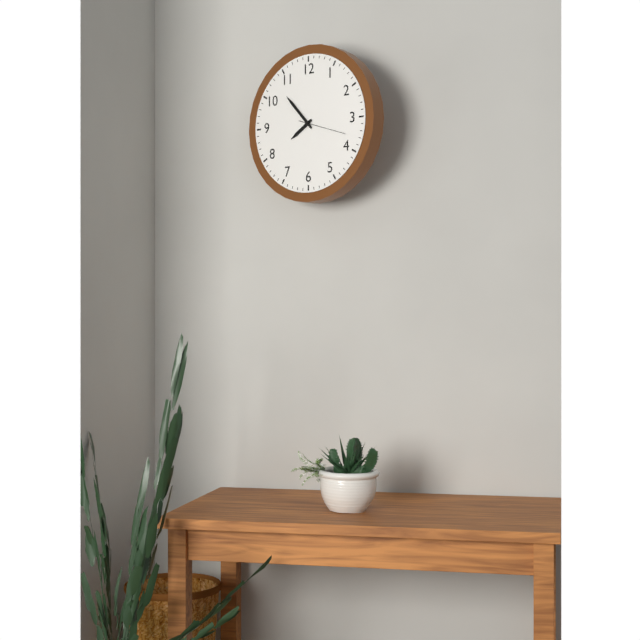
7:53
